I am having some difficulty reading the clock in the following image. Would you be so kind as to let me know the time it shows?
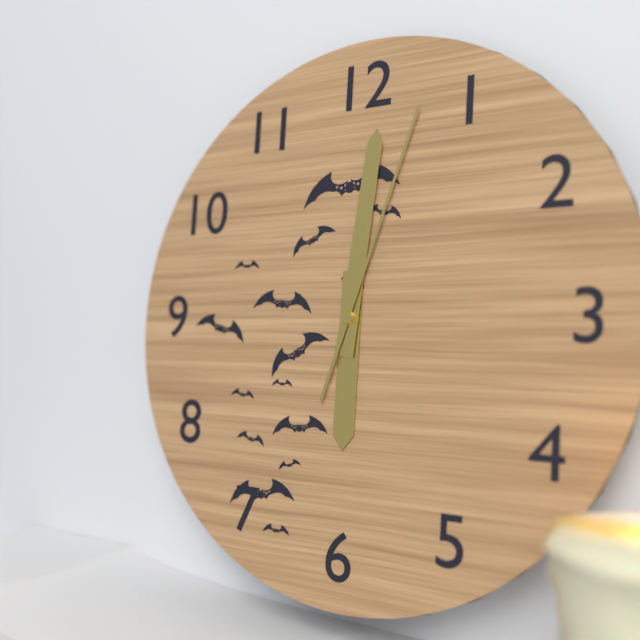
6:01:03
